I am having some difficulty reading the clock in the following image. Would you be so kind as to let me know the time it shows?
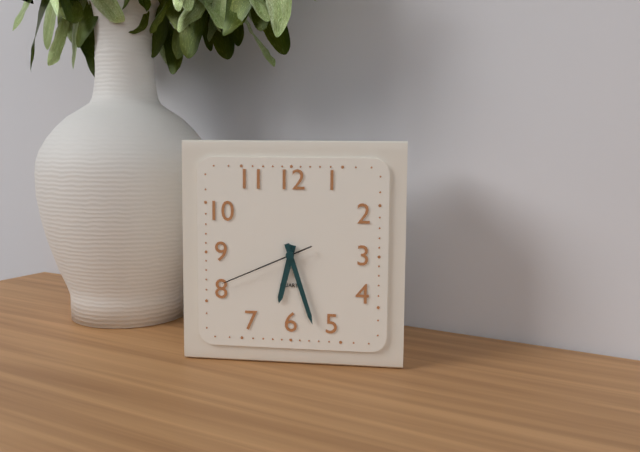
6:27:41
